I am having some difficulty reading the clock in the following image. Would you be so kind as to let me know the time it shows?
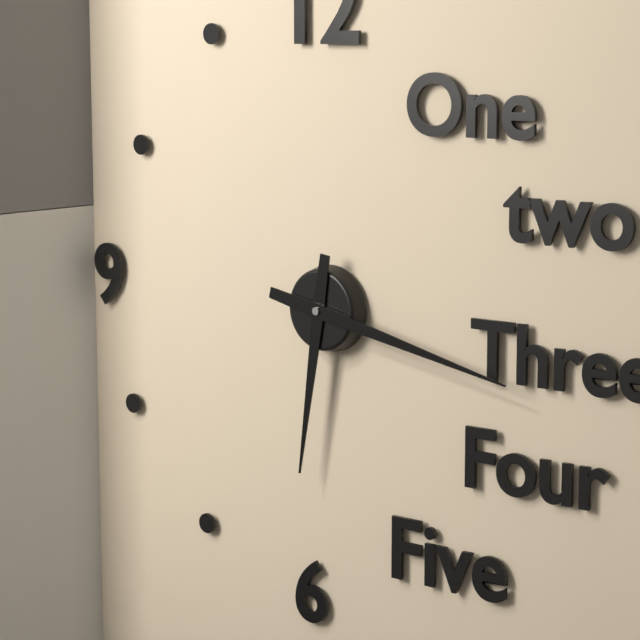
6:17
